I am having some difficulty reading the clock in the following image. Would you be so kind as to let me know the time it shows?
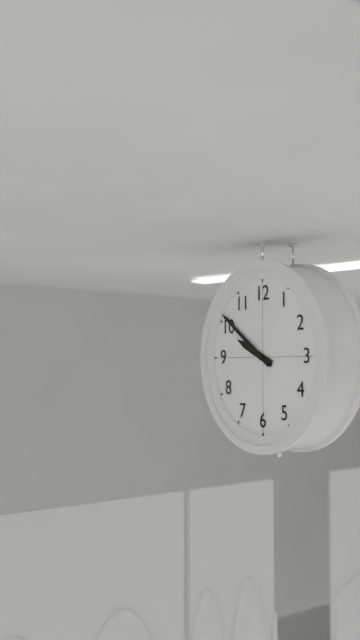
9:51
